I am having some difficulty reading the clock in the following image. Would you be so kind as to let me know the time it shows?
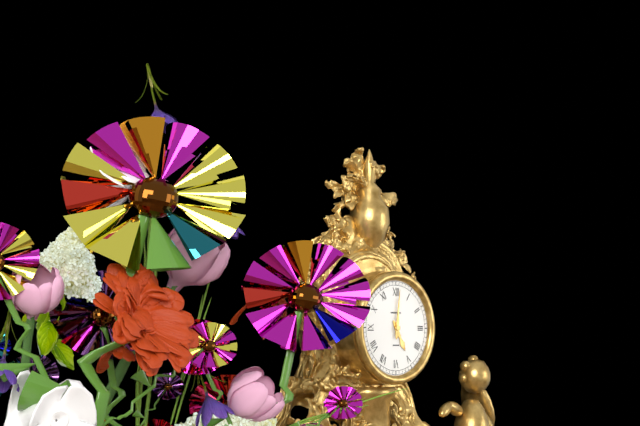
5:01
